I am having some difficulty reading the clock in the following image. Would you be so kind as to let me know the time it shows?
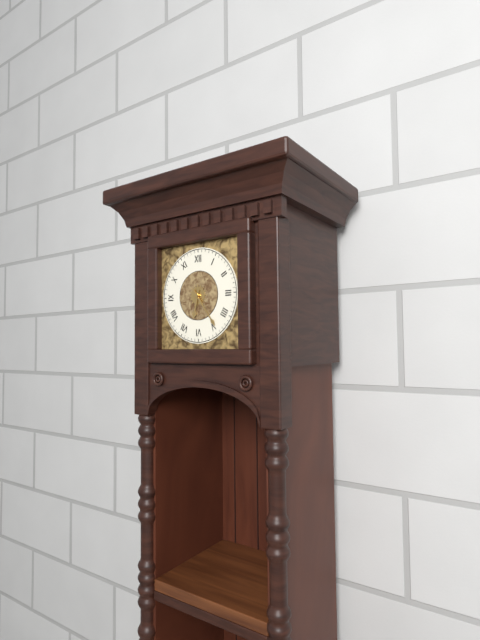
6:24
